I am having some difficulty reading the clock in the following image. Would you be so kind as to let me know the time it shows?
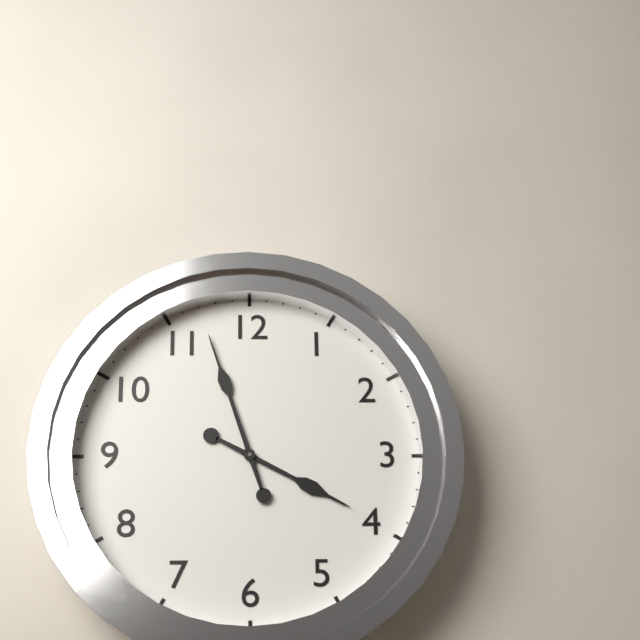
3:57
